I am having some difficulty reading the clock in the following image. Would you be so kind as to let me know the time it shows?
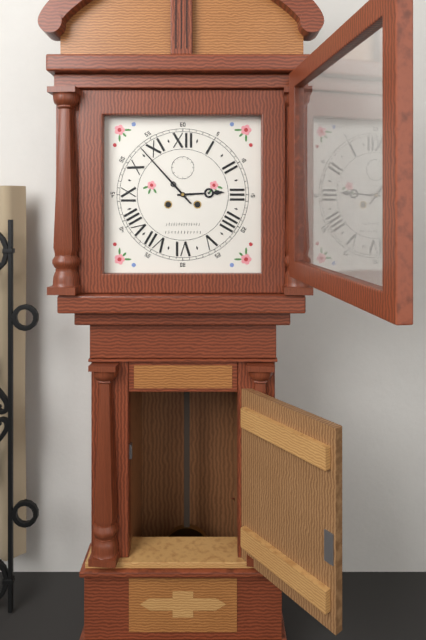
2:53
